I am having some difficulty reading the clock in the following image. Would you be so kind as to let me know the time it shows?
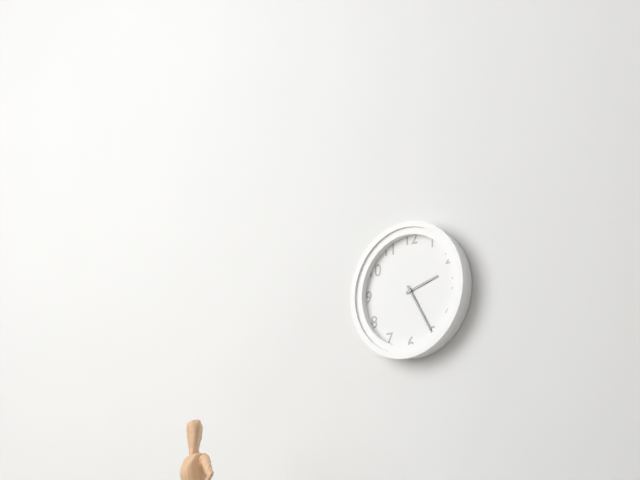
2:25
